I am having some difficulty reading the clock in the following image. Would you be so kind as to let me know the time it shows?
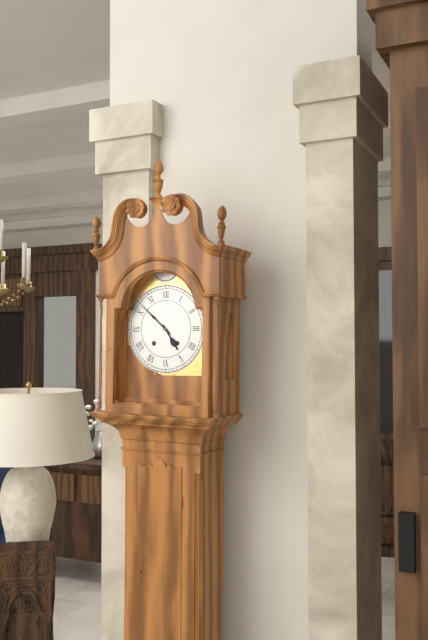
4:52
